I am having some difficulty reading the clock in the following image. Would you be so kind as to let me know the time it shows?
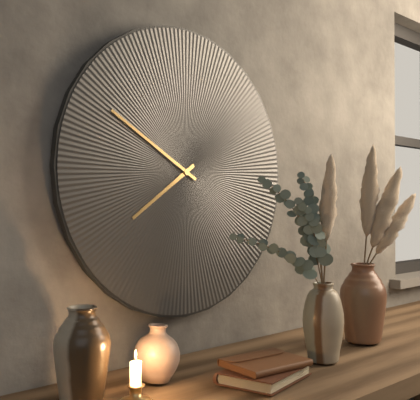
7:50
